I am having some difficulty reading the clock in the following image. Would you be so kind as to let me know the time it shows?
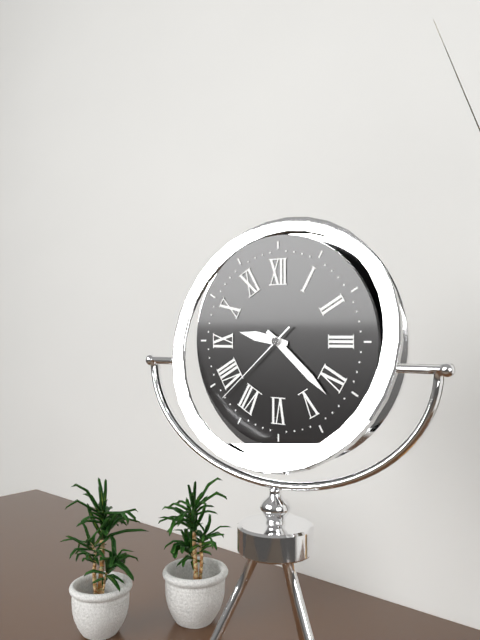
9:22:38
